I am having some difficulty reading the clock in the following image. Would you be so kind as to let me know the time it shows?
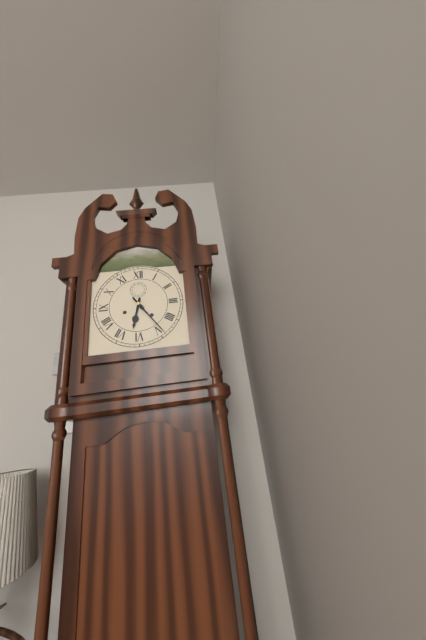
6:24
